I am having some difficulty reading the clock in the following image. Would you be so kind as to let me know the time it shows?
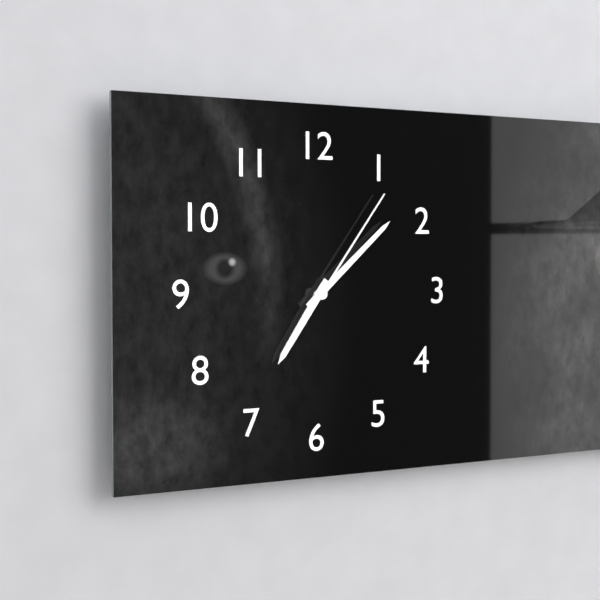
7:08:06
